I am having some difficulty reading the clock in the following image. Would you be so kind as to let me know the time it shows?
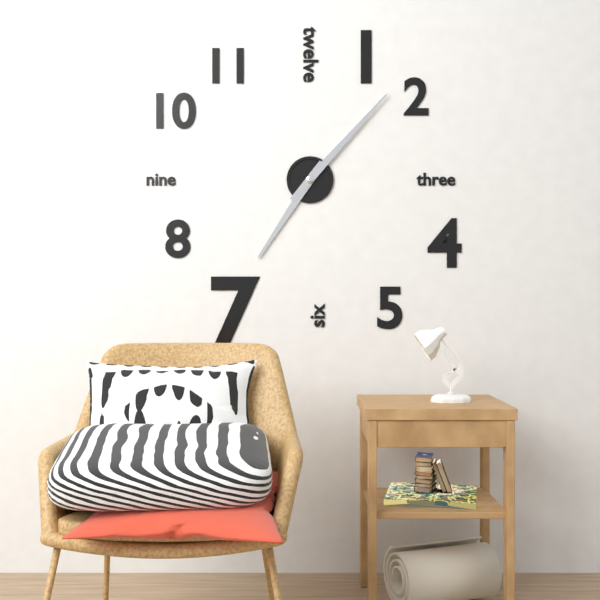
7:07
